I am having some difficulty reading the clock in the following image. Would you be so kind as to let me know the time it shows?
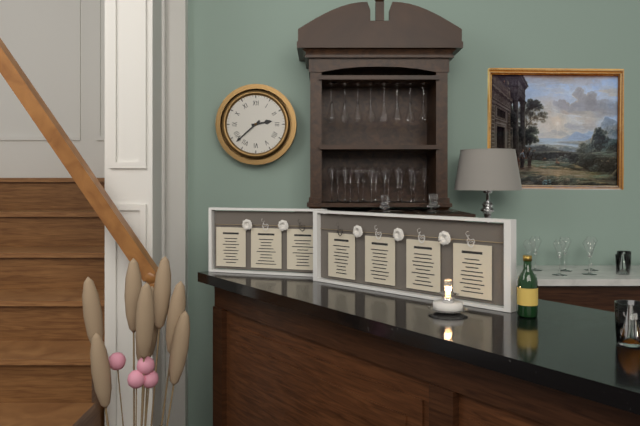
2:38
